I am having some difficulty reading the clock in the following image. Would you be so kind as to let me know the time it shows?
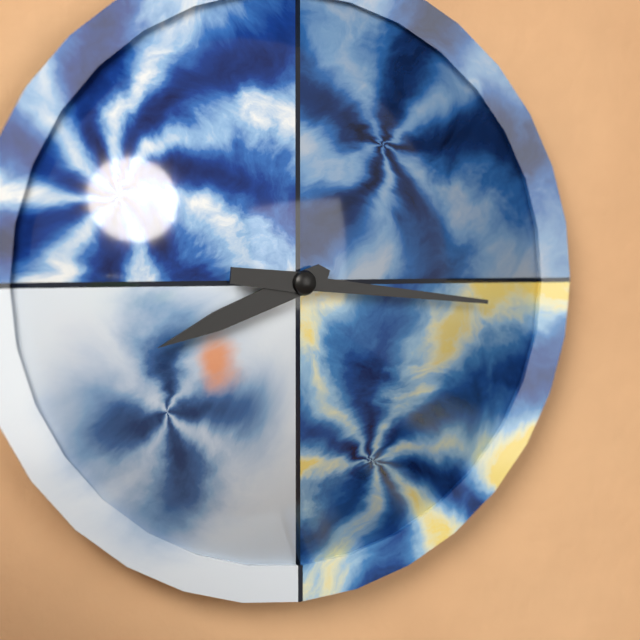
8:16
